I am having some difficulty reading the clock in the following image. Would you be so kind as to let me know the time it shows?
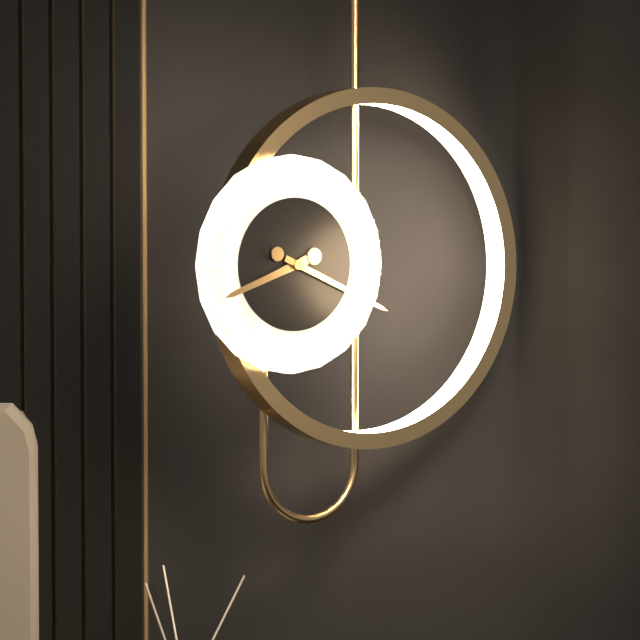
8:19
